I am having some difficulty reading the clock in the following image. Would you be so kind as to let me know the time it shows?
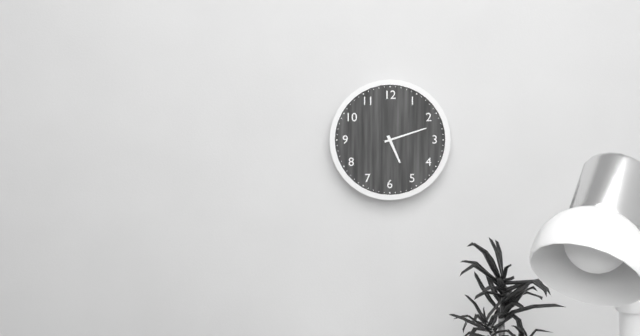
5:12
